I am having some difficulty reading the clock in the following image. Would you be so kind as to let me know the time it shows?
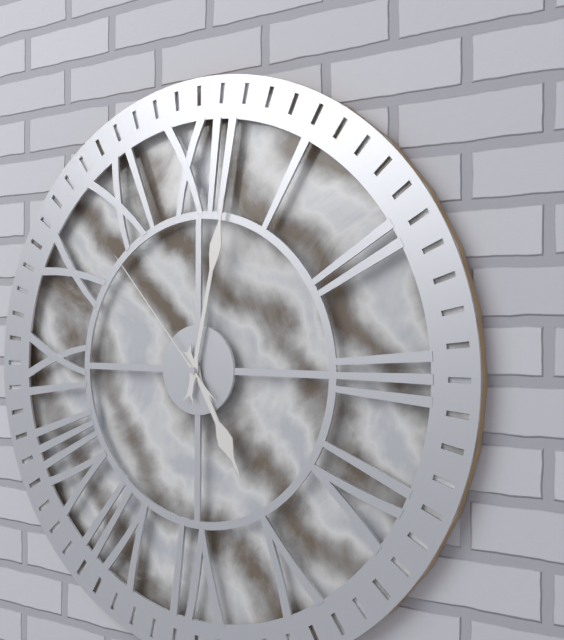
5:02:53
